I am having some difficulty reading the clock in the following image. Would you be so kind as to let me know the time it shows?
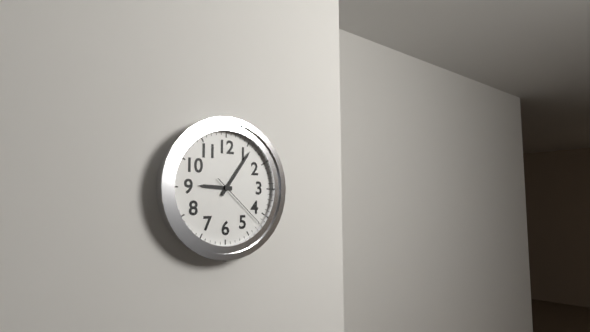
9:06:22
